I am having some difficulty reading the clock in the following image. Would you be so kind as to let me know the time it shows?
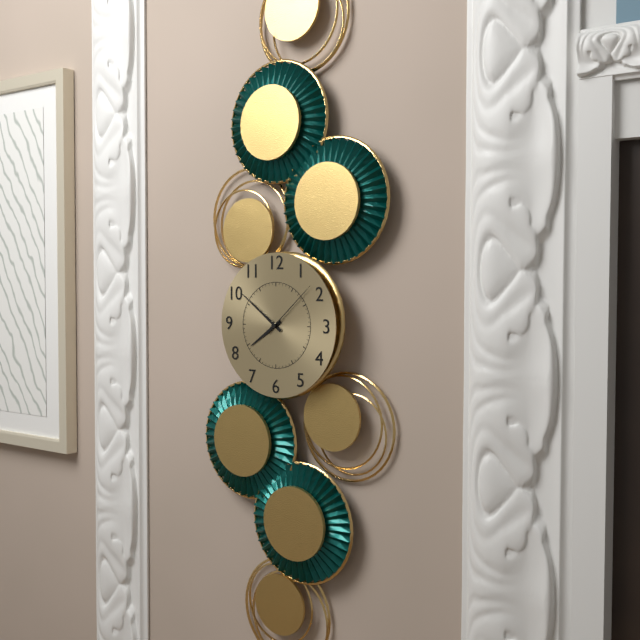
7:51:08
